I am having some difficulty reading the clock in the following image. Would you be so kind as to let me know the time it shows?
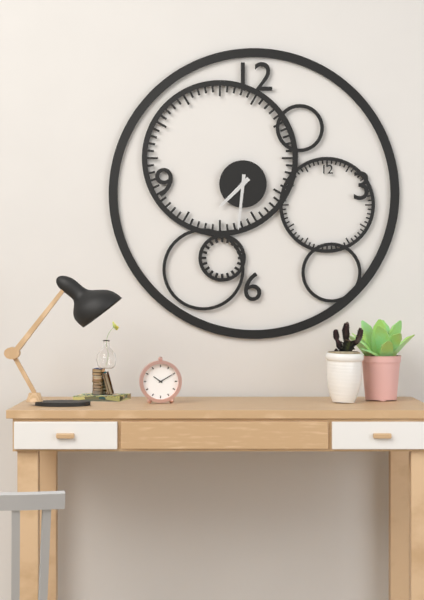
7:31
